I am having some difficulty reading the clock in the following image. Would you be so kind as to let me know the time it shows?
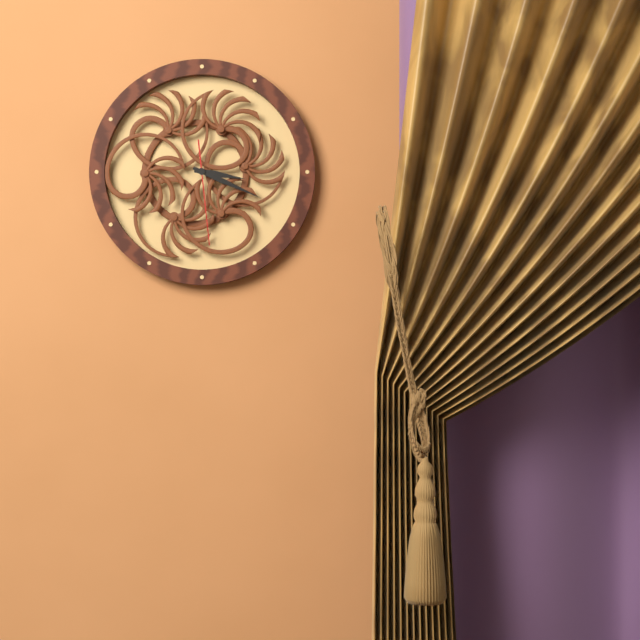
3:19:29
